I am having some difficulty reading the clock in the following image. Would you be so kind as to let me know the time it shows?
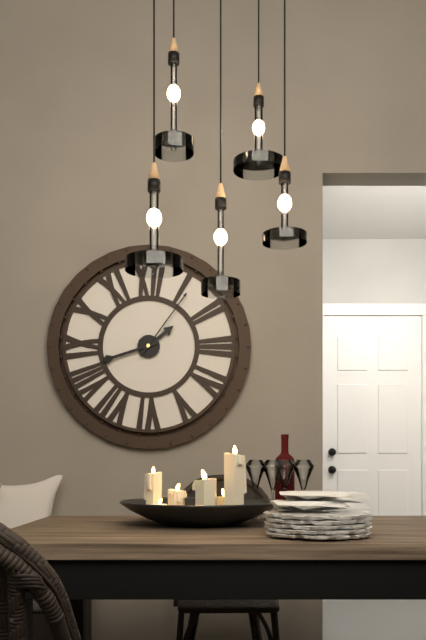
1:42:06
